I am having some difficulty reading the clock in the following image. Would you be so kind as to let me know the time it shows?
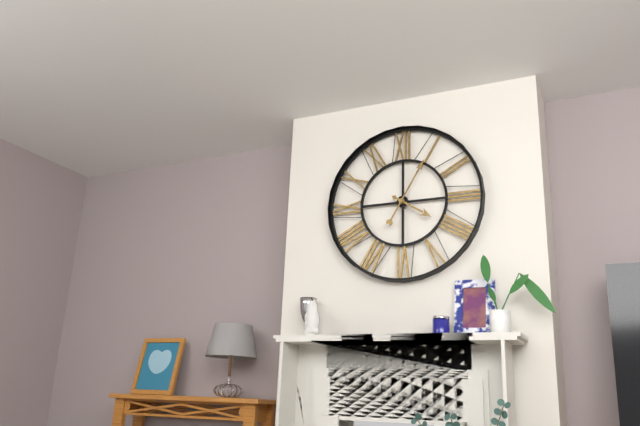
4:05
